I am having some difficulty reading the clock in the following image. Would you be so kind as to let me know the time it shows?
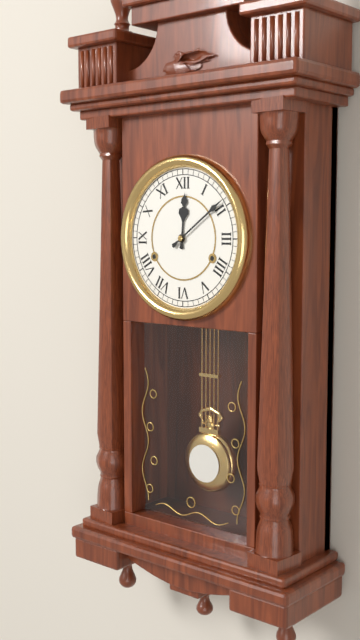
12:09
